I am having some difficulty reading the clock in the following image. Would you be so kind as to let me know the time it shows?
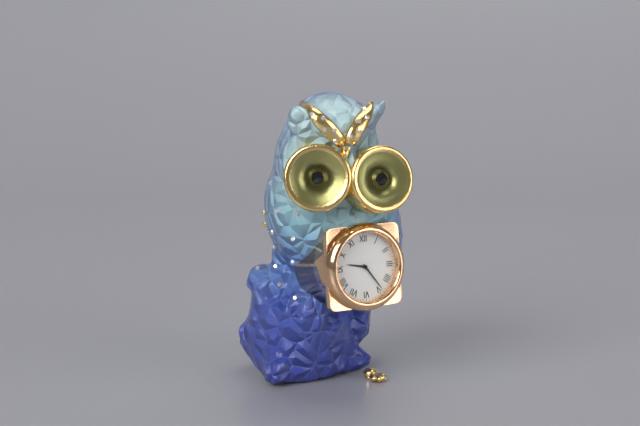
9:24
